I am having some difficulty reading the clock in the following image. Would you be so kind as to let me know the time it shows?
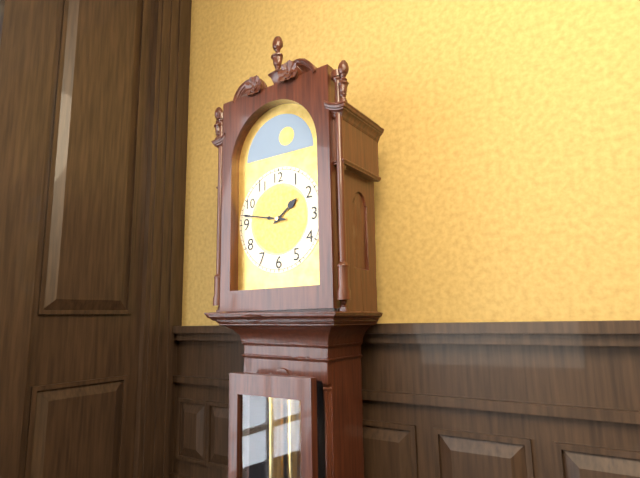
1:47
